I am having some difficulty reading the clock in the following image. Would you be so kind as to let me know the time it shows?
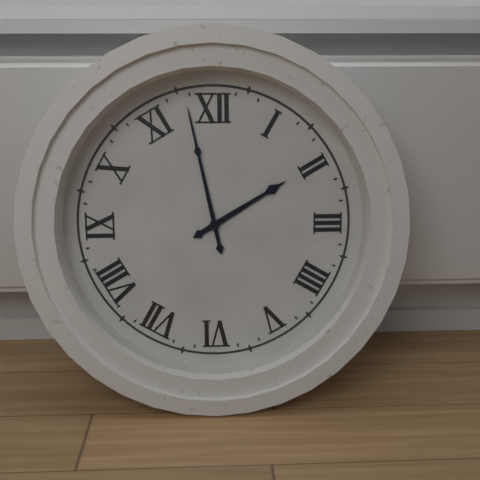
1:58
